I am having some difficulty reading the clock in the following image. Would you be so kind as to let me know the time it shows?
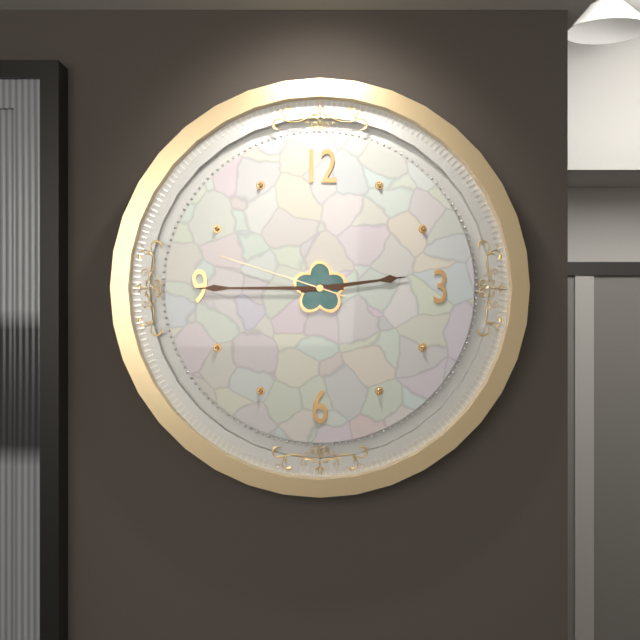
2:45:48
